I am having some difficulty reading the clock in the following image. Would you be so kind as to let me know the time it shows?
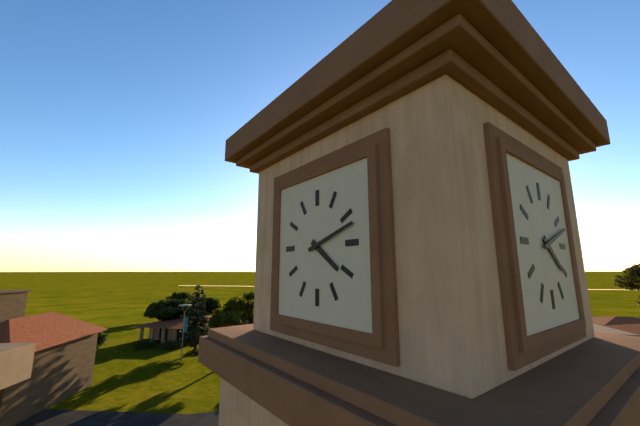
4:12
